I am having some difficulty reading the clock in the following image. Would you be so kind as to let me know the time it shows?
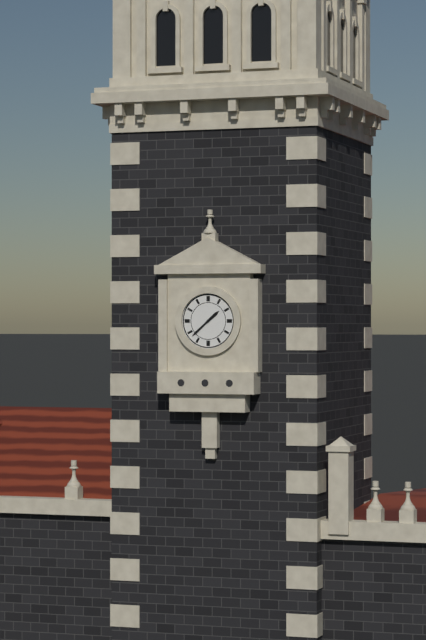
1:38
